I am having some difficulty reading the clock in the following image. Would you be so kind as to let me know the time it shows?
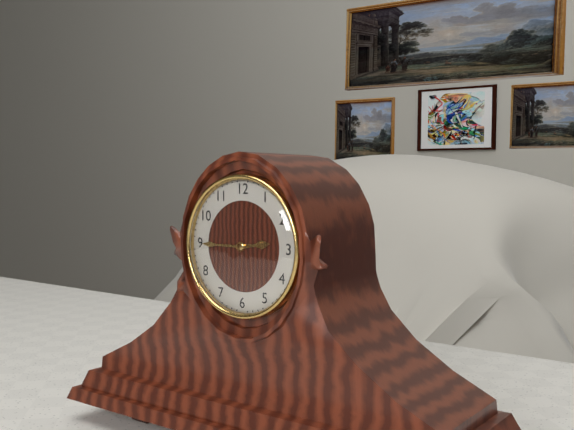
2:45
